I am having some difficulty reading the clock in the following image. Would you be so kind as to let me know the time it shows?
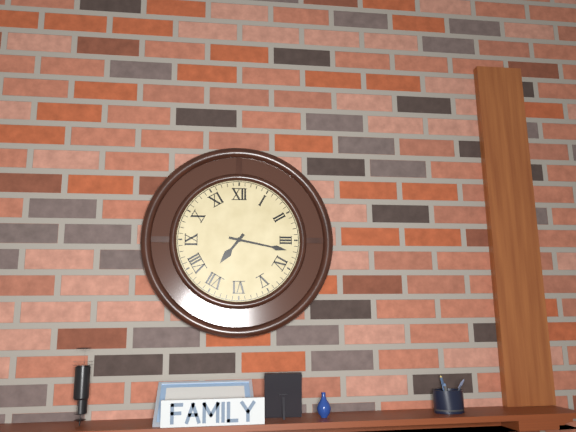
7:17
